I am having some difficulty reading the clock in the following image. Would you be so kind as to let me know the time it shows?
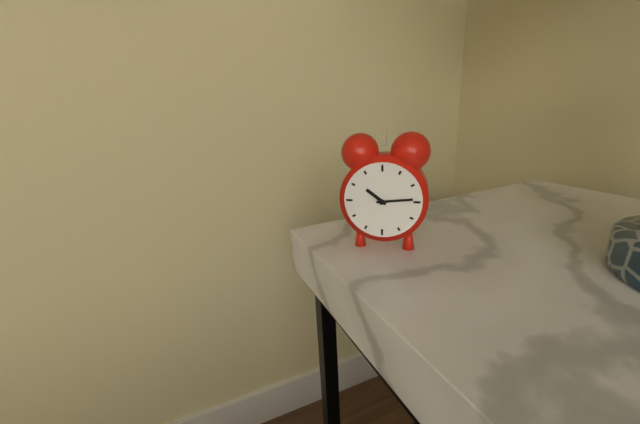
10:14
